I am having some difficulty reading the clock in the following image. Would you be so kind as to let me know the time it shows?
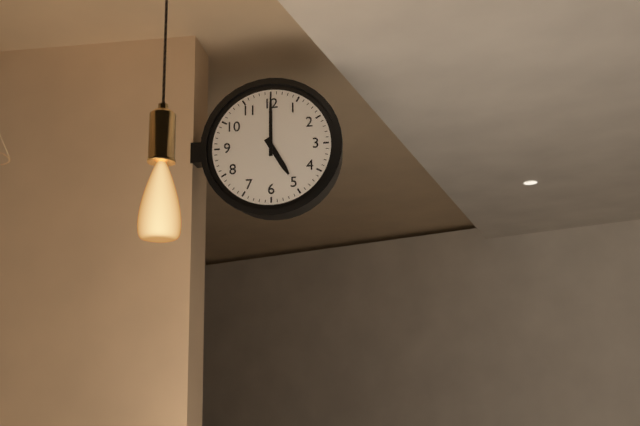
5:00
